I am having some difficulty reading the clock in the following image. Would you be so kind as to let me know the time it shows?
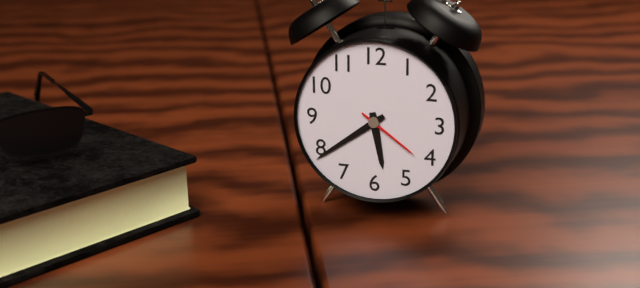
5:39:21
